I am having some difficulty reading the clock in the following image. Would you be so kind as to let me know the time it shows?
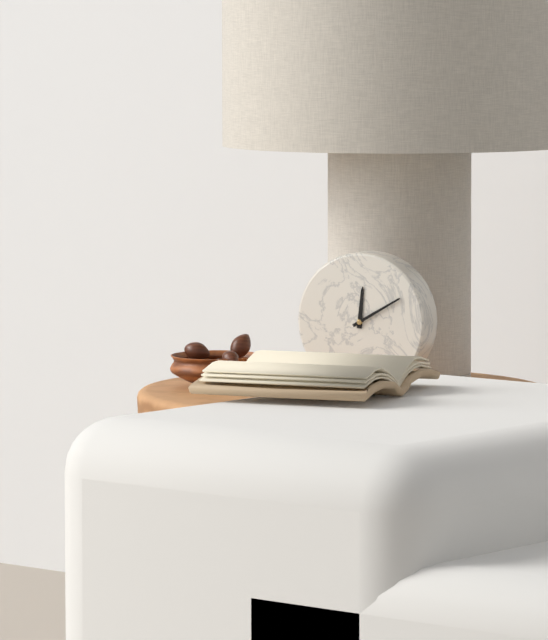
12:10
